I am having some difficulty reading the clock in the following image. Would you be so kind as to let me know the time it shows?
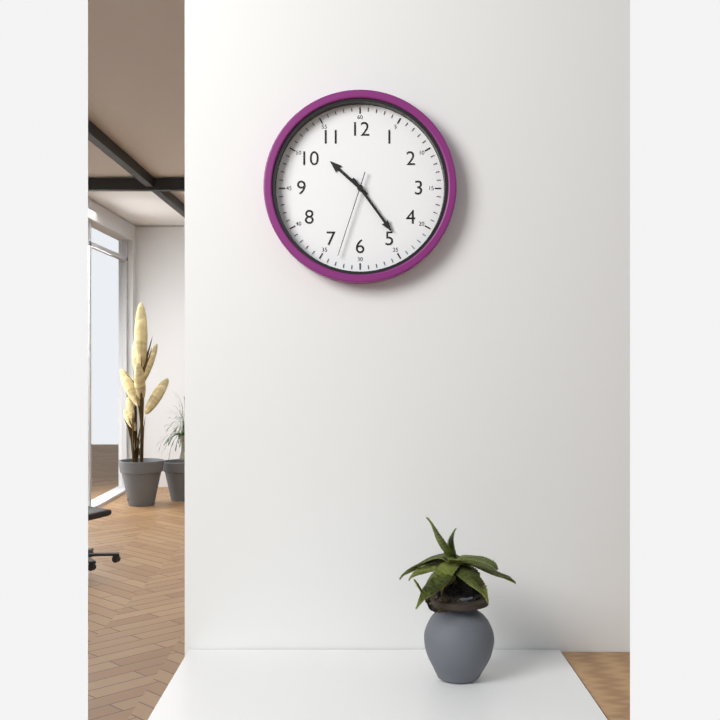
10:24:33
